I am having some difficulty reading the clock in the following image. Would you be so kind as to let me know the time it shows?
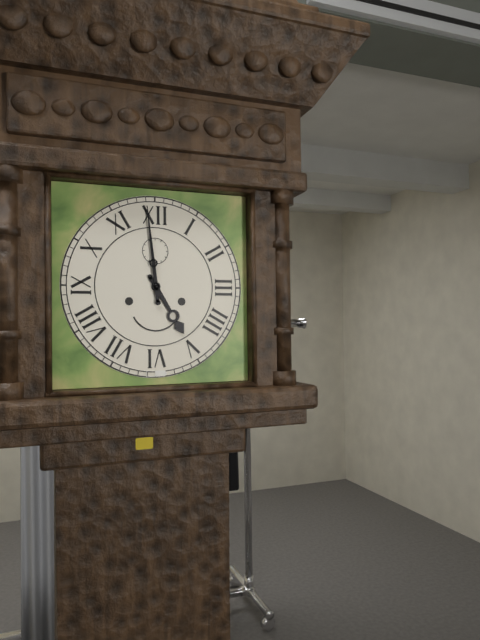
4:59
